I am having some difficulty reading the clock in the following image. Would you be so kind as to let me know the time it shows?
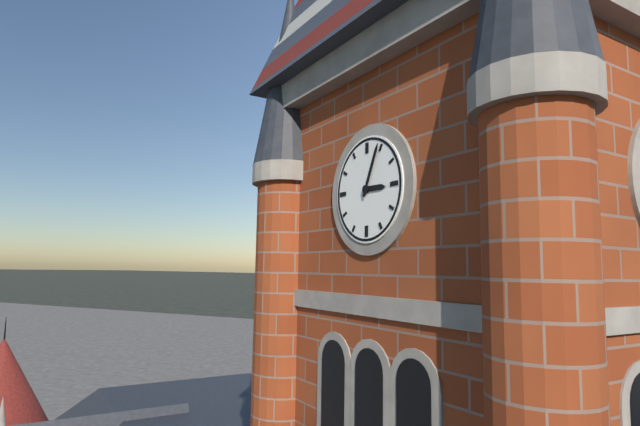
3:04
